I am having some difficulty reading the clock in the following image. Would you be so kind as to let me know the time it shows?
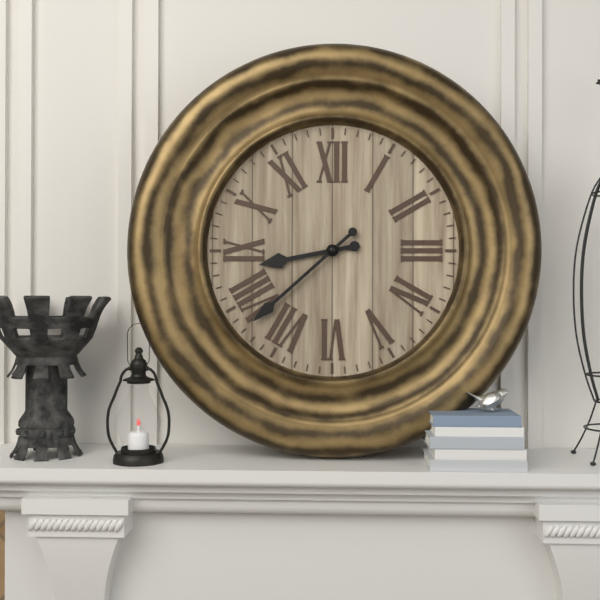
8:38
